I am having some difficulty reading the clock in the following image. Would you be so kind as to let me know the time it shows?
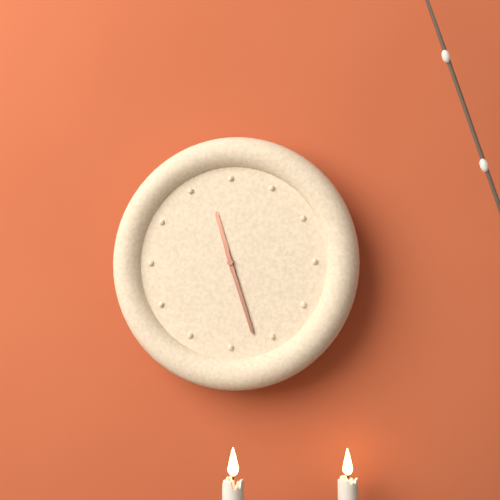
11:27
